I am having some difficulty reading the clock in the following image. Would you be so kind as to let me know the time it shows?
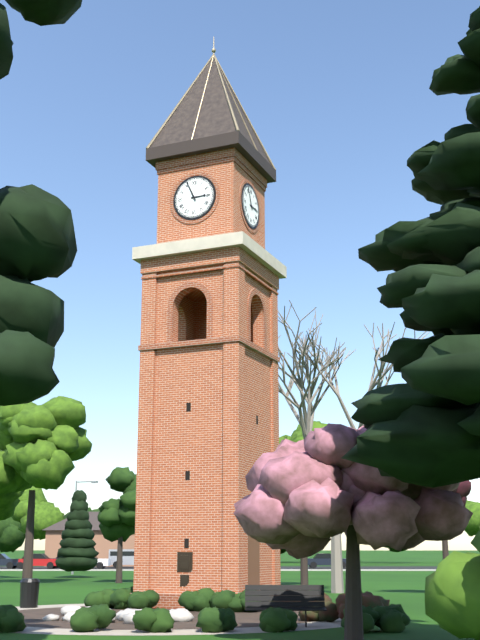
2:56
